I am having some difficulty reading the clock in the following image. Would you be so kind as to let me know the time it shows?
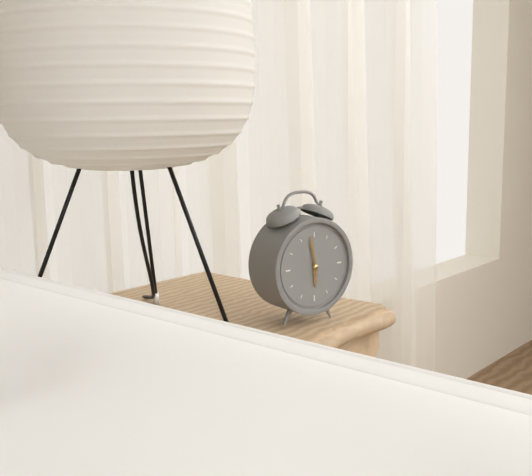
5:58
